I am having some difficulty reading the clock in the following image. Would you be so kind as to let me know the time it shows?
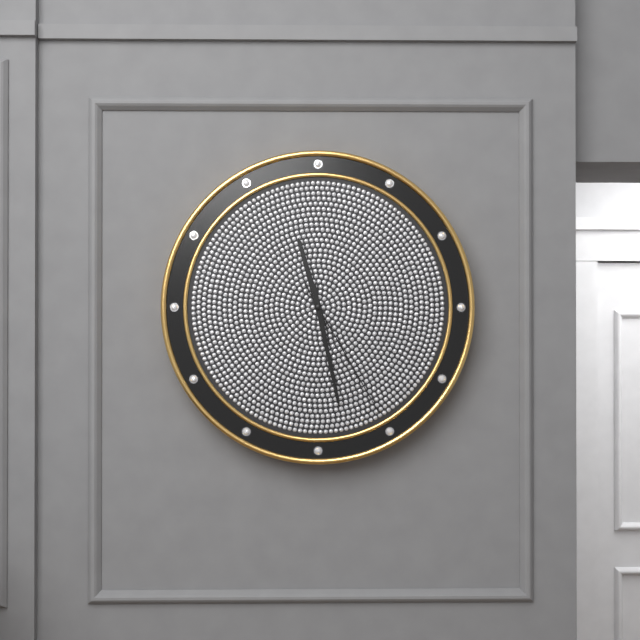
11:28:25
